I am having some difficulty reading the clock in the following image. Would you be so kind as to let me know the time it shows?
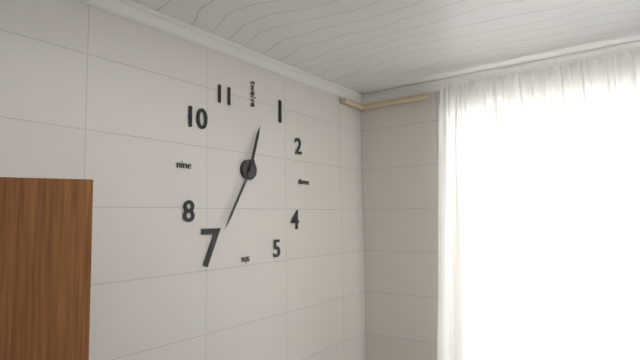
12:35
